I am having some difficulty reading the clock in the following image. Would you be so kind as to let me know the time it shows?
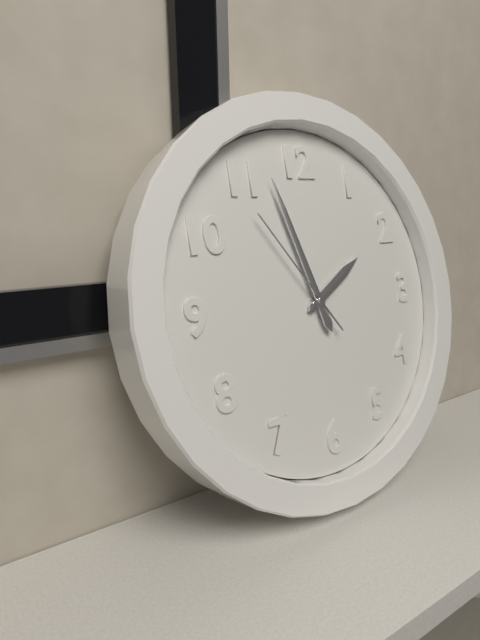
1:57:54
